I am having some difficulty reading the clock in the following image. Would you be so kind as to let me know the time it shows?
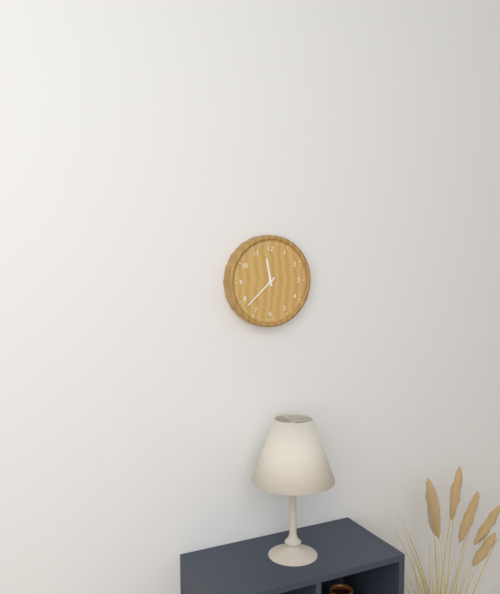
11:38
